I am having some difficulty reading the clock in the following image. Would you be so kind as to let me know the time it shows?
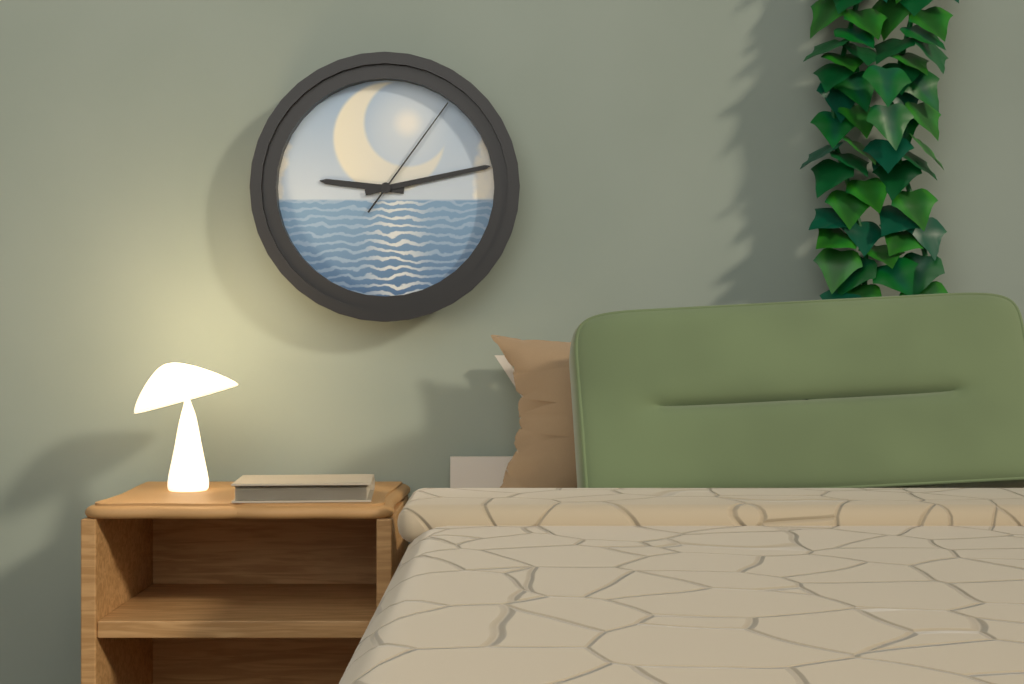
9:13:06
